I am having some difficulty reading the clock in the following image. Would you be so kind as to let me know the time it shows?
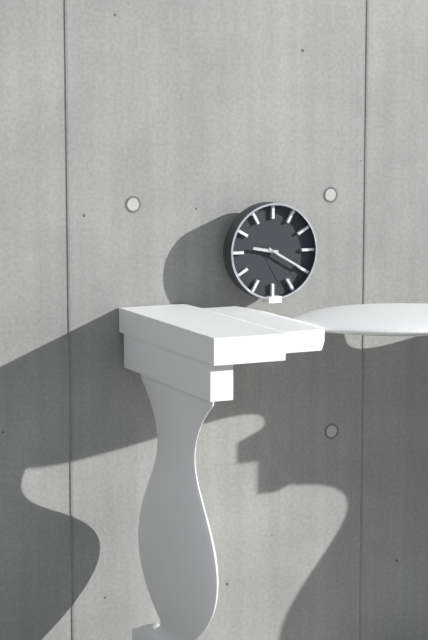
9:20
